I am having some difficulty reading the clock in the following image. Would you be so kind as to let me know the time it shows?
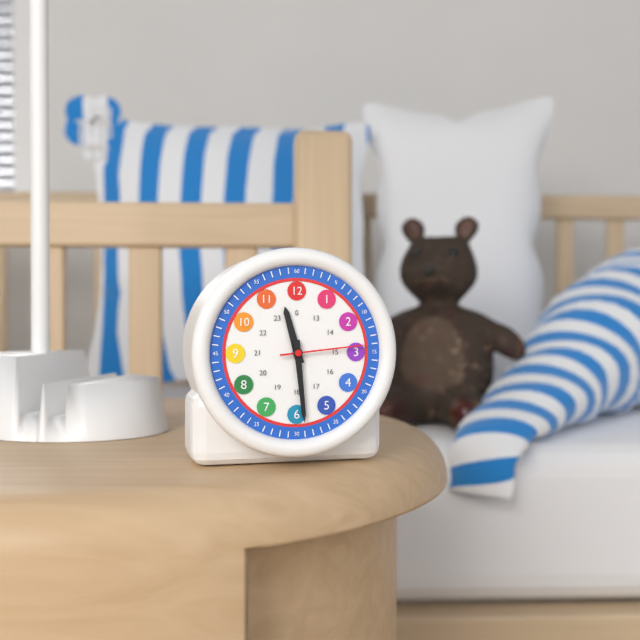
11:29:14
